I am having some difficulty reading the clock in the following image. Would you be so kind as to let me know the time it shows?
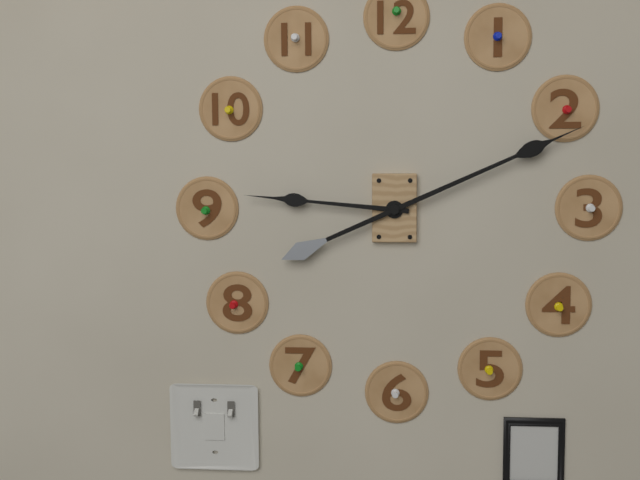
9:11
